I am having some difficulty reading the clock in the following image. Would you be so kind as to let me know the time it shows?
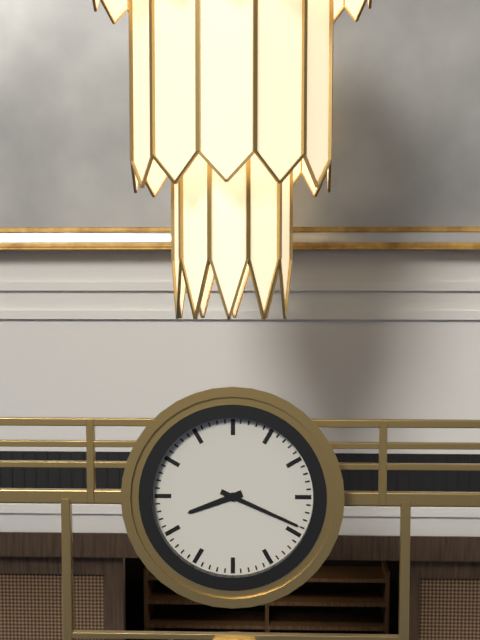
8:19
